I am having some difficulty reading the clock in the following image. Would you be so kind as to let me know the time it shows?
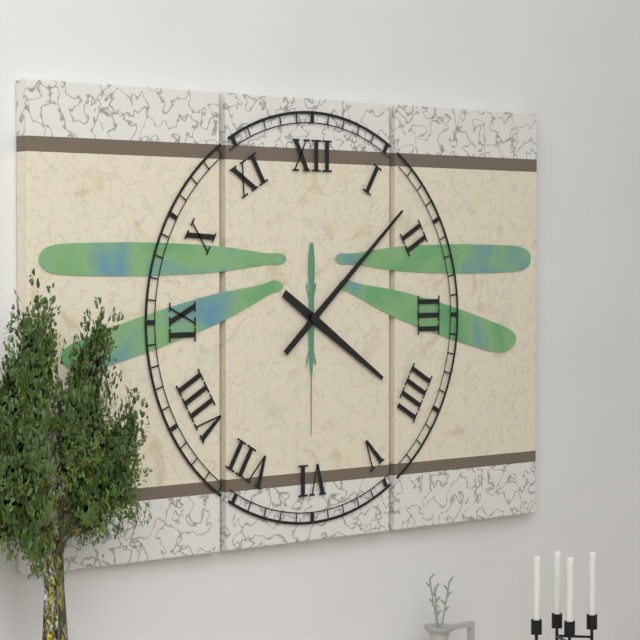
4:08
